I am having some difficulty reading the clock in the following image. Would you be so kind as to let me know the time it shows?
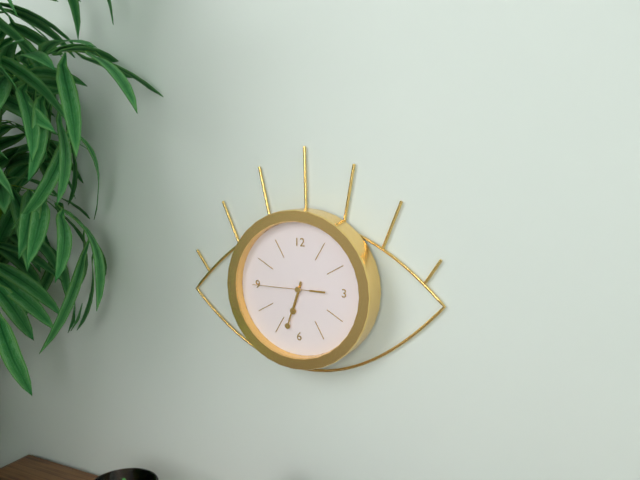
6:33:45
